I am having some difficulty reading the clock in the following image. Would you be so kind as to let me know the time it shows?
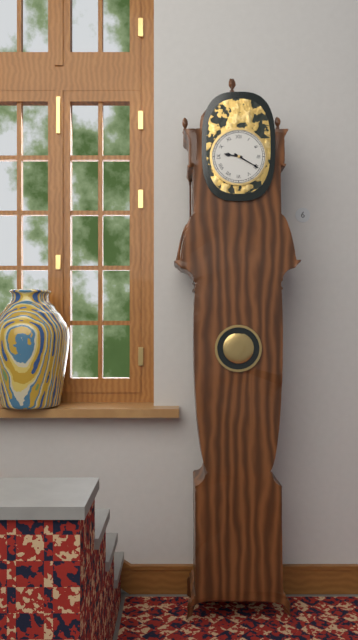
9:20
